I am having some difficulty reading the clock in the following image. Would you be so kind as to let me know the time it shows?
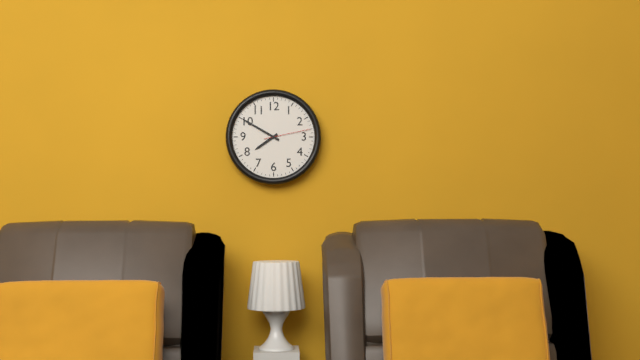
7:50
